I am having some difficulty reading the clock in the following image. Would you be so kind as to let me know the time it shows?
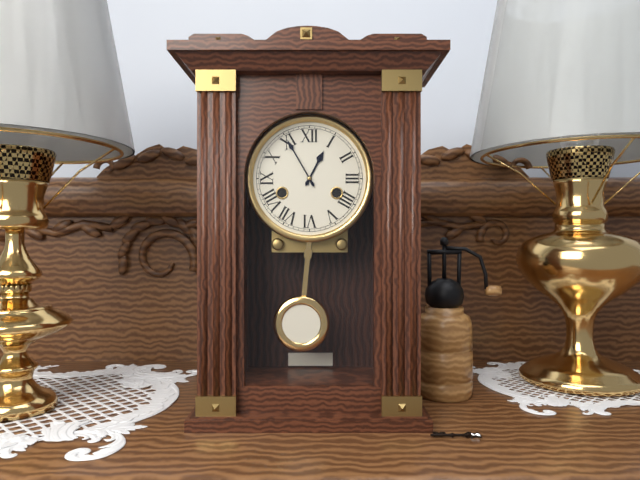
12:55
